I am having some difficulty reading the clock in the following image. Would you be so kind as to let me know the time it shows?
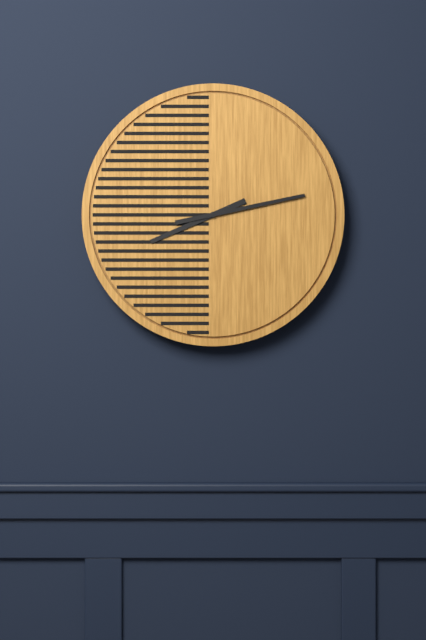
8:13
